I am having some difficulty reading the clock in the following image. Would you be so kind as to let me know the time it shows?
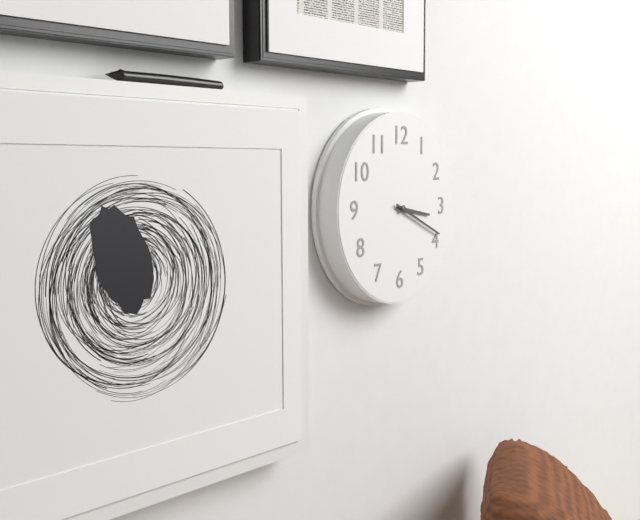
3:19
